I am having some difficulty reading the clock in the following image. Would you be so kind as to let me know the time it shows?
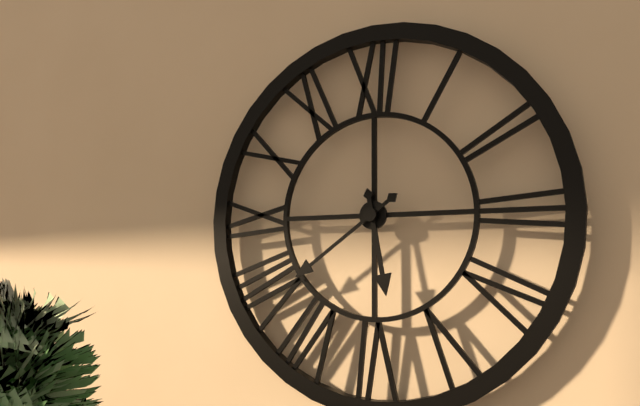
5:39
